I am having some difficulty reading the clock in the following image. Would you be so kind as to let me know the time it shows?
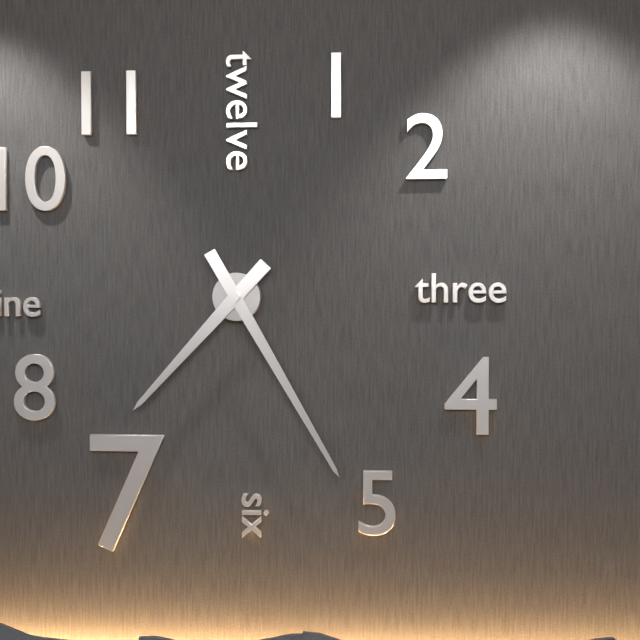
7:25
